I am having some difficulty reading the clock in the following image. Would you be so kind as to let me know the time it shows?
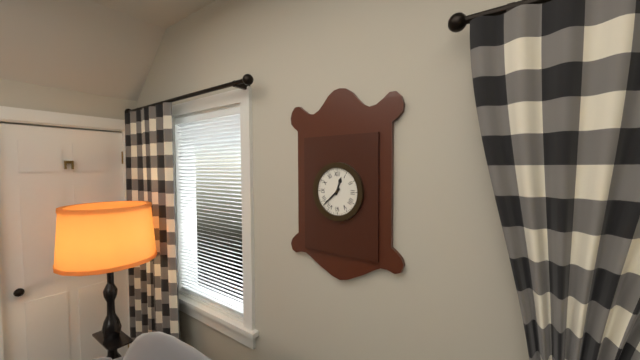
12:38
